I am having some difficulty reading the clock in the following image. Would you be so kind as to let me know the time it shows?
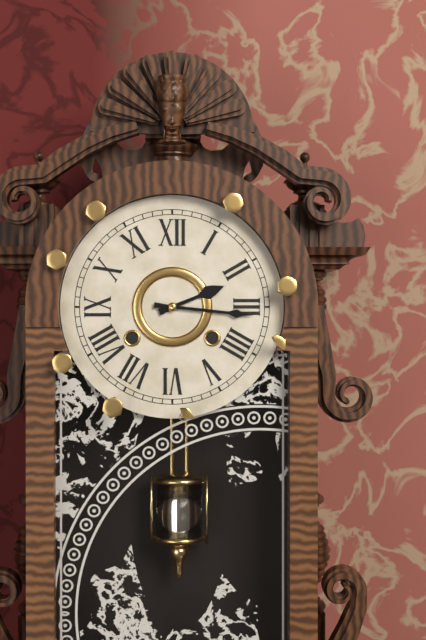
2:16
